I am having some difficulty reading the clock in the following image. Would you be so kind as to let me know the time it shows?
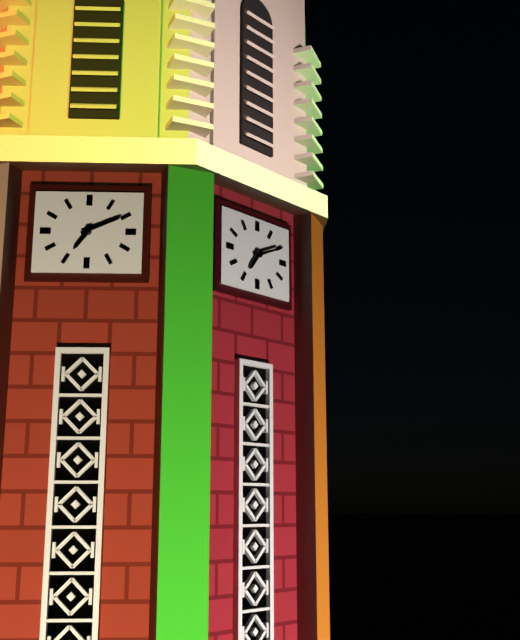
7:11
